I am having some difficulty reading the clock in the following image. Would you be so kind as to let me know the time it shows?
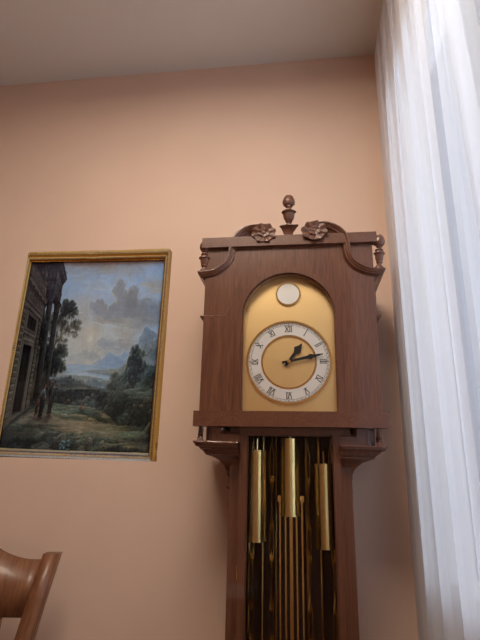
1:13
